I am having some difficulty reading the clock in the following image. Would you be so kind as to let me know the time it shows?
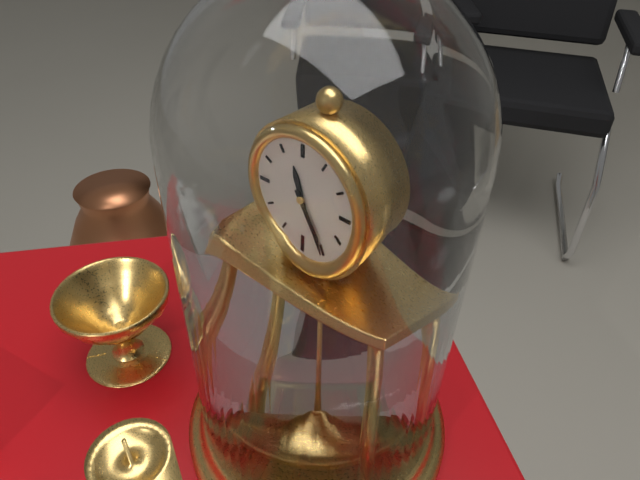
11:25
